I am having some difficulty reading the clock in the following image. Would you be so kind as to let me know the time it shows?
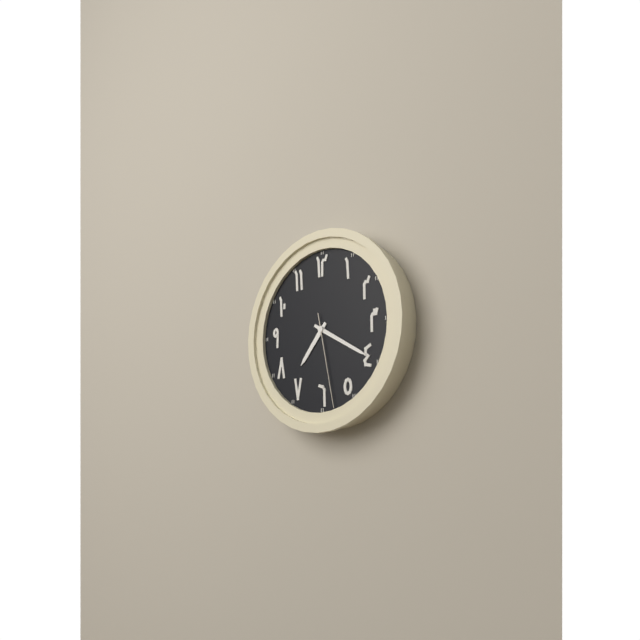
7:20:28
